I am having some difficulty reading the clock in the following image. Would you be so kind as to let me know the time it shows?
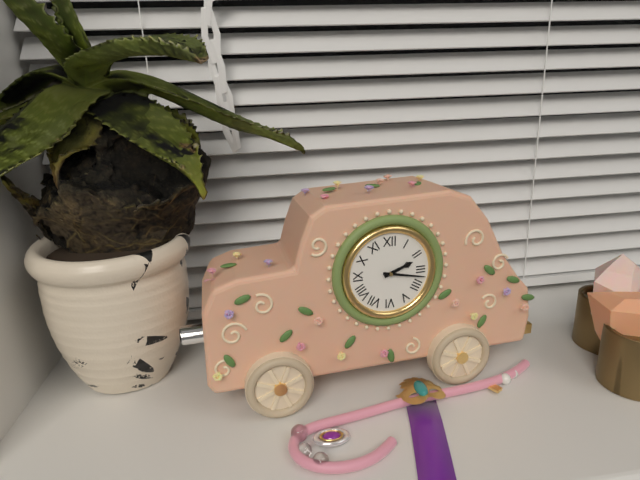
2:17
